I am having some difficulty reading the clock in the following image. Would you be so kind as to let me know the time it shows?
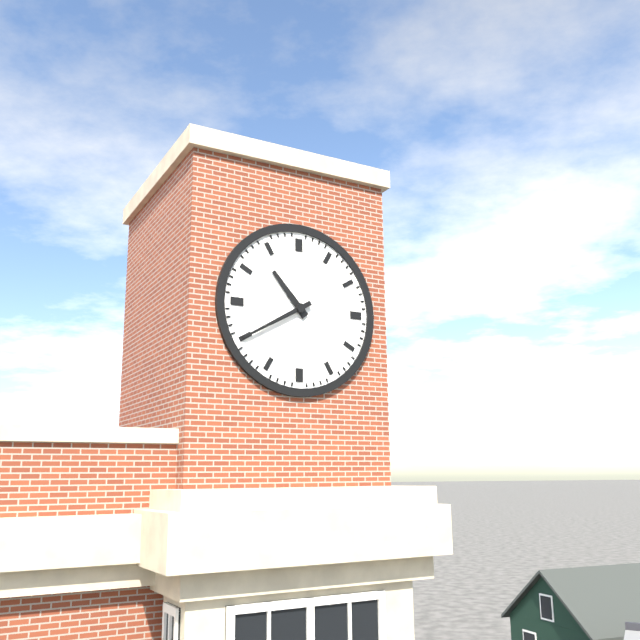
10:40
